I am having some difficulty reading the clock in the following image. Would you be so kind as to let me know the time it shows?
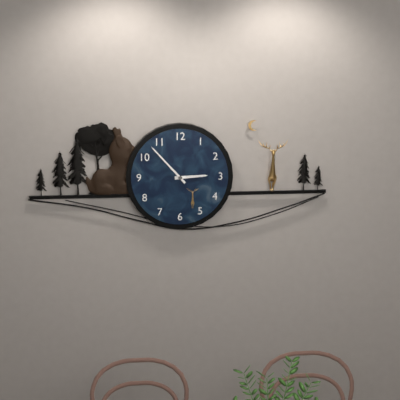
2:53
